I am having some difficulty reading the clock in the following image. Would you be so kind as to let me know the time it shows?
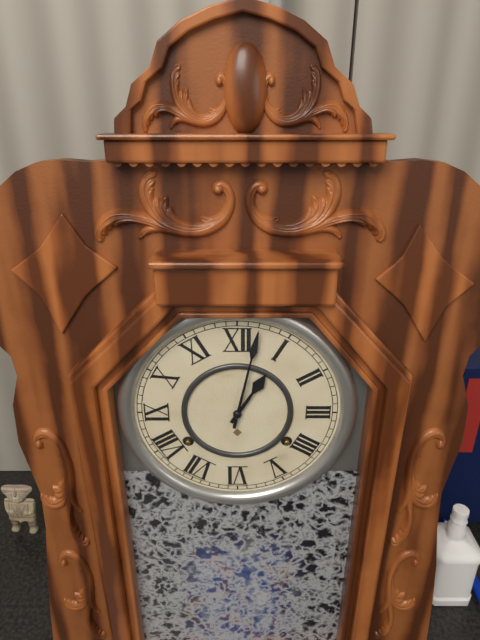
1:02
